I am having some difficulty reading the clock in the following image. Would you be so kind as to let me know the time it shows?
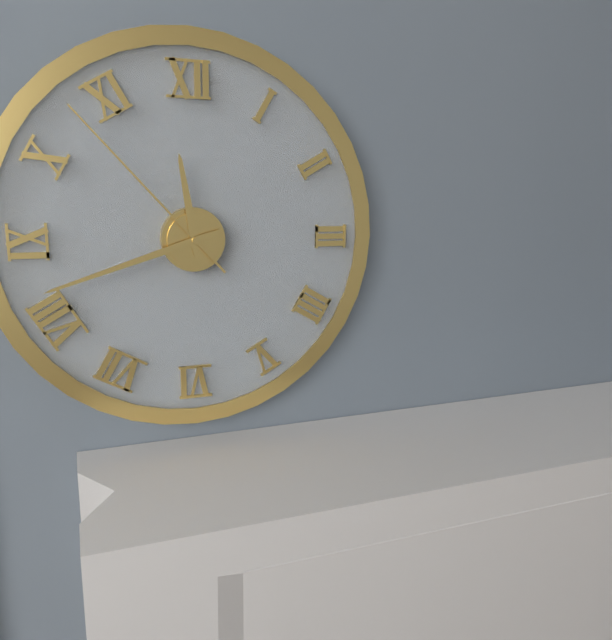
11:42:53
